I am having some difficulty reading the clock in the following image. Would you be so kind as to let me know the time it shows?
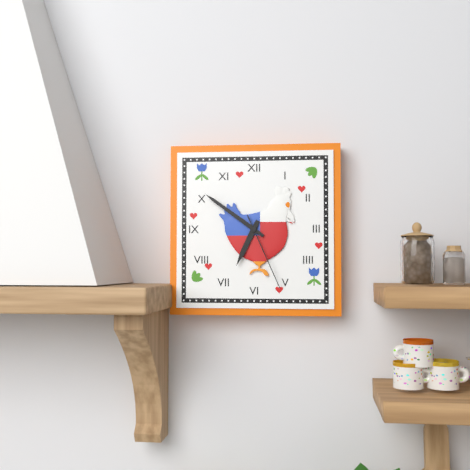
6:51:26
